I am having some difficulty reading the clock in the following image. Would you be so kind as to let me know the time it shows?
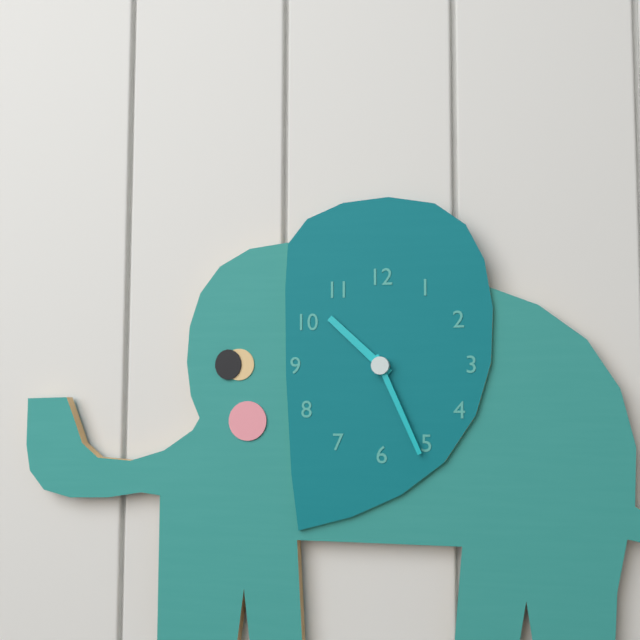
10:26
